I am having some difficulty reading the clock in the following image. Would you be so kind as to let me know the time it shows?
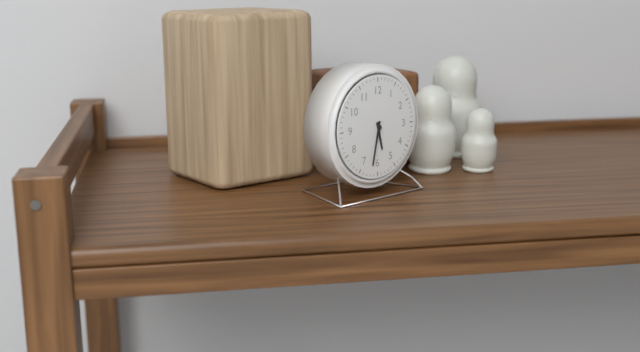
5:32
